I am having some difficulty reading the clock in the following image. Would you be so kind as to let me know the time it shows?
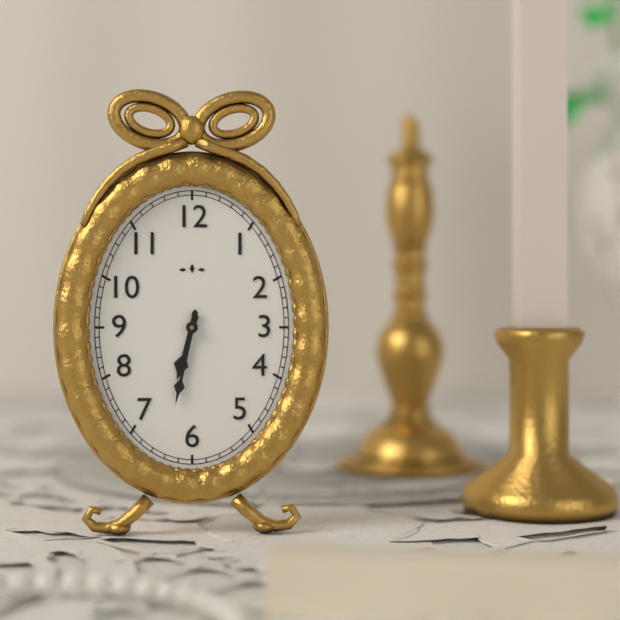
6:32
